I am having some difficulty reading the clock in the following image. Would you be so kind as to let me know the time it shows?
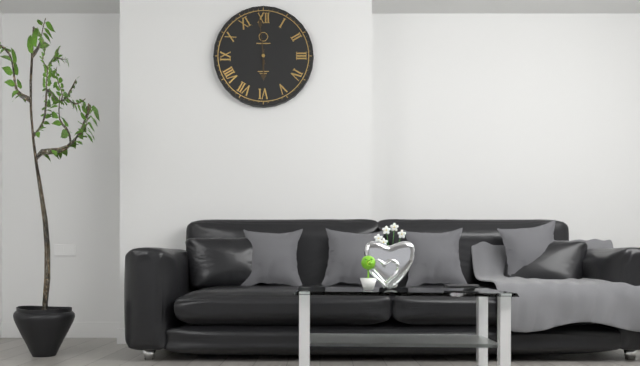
5:59
